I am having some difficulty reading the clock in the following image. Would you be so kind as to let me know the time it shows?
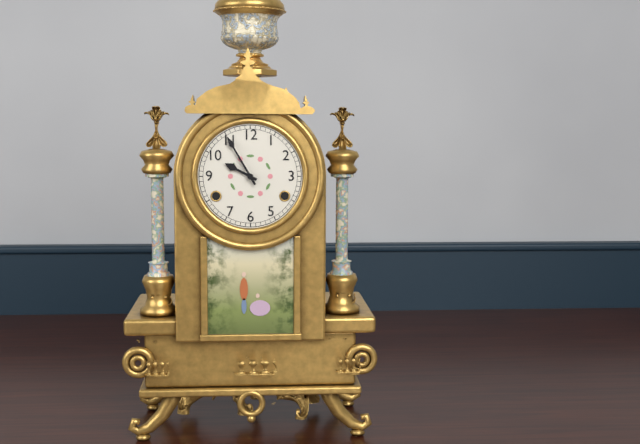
9:55
